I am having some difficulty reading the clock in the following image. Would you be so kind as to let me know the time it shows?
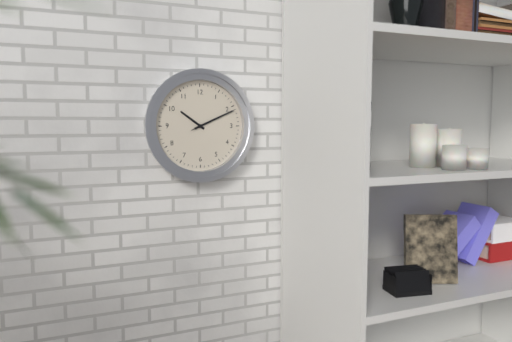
10:11
